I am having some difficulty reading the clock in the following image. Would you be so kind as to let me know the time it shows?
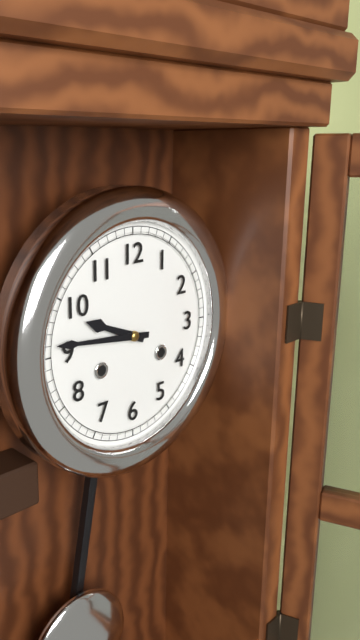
9:46
